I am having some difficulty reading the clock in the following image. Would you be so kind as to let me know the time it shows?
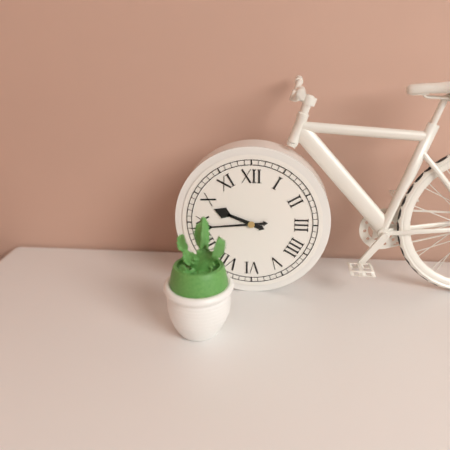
9:44
